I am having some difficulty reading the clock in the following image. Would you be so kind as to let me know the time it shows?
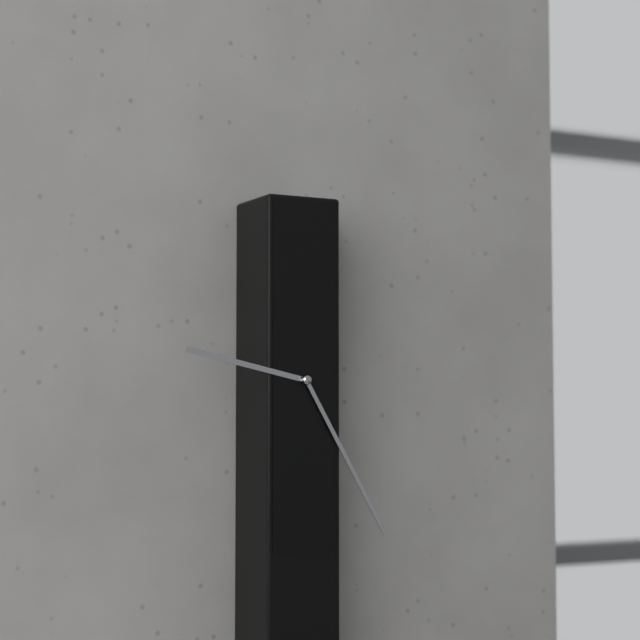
9:25
